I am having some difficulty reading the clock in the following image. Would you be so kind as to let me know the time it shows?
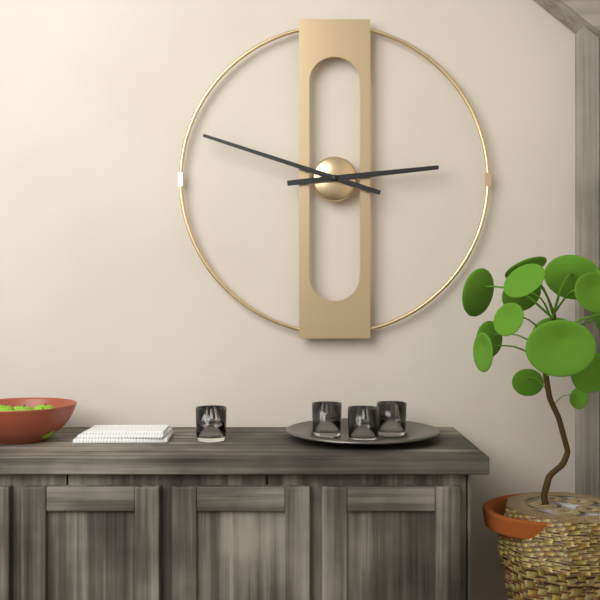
2:48
